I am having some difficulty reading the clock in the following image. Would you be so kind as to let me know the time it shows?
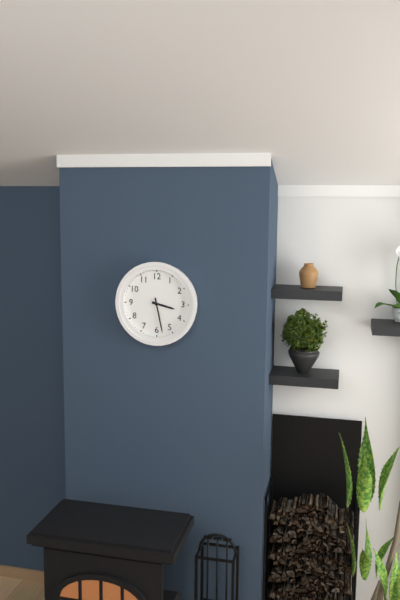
3:28
